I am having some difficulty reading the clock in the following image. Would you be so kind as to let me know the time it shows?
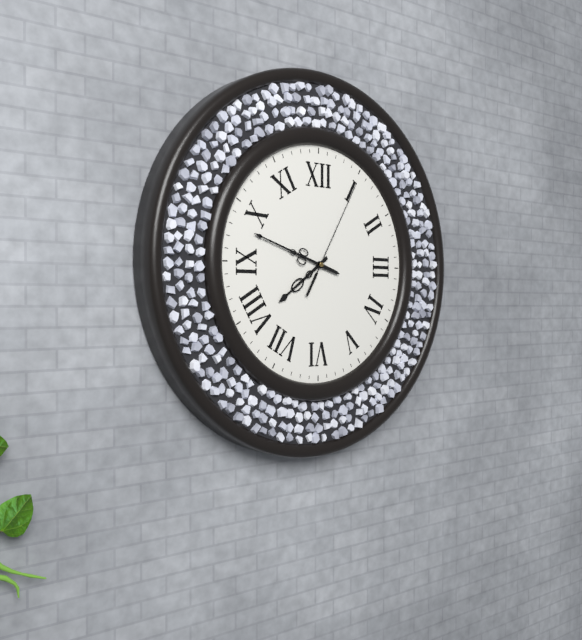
7:48:05
